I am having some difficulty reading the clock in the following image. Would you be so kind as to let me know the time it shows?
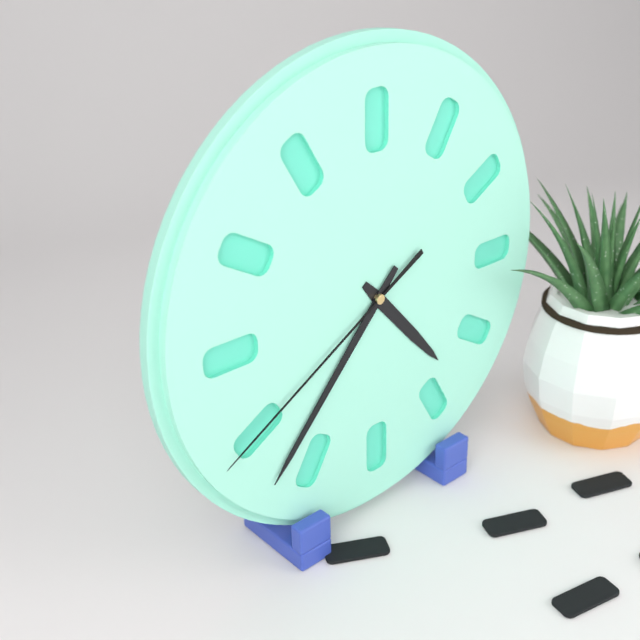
4:37:40
